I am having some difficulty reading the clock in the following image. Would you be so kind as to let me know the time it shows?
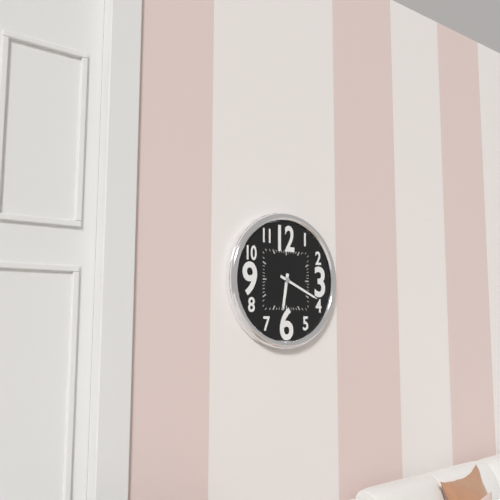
6:19
